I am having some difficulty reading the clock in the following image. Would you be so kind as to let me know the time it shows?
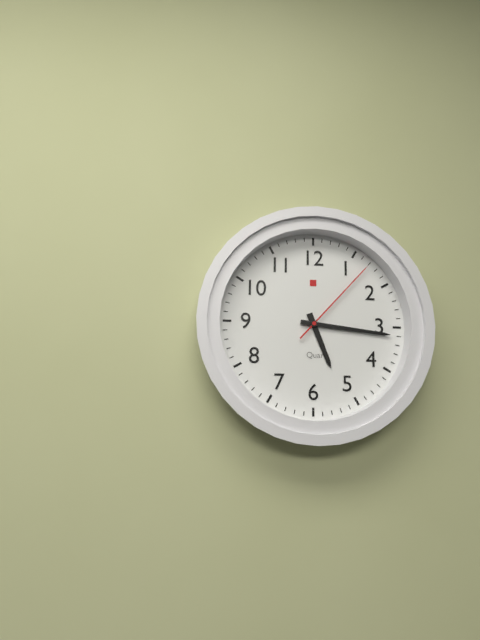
5:16:07
